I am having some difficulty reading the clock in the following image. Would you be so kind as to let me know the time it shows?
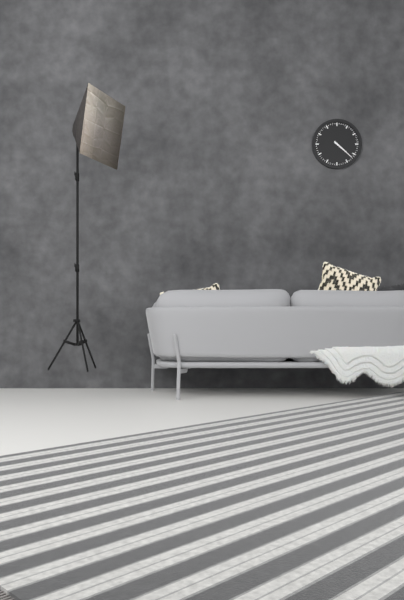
4:22
